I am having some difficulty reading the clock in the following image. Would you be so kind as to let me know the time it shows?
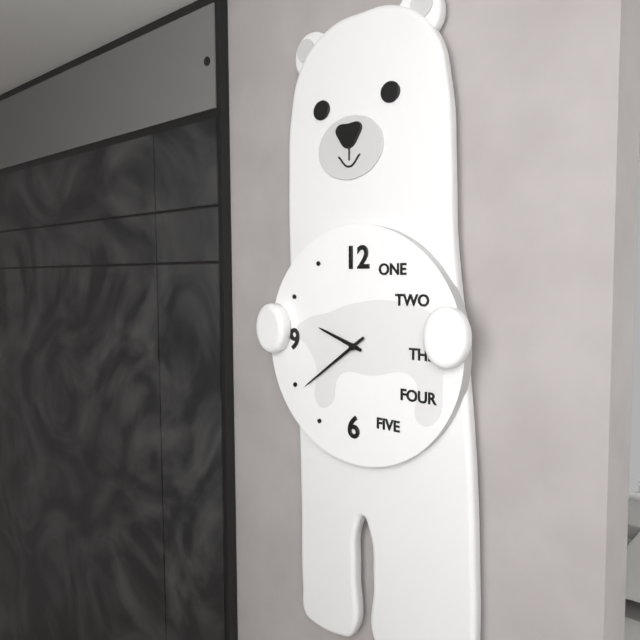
9:39
